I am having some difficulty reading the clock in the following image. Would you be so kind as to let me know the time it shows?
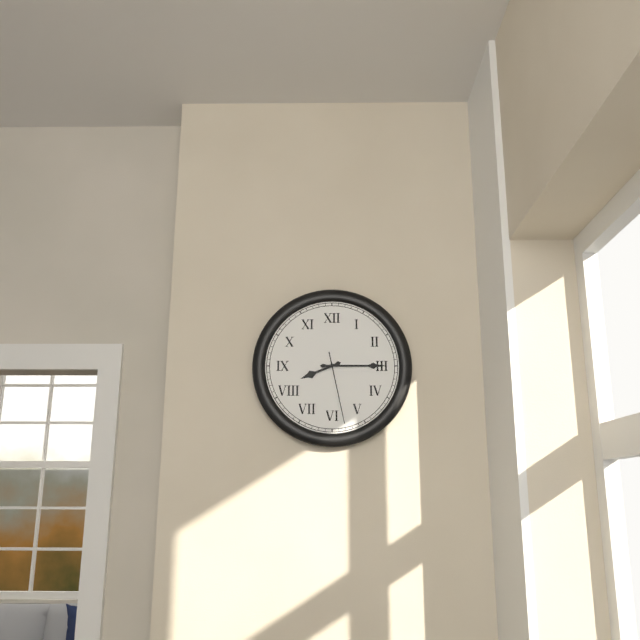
8:15:28
